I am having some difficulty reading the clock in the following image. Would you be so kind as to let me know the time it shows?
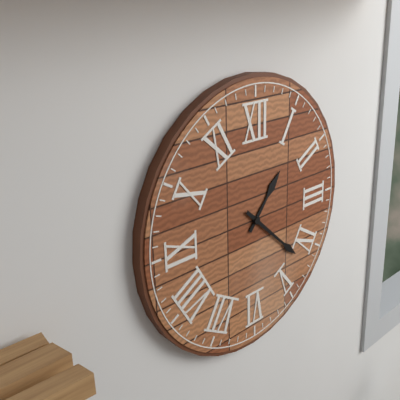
1:22
